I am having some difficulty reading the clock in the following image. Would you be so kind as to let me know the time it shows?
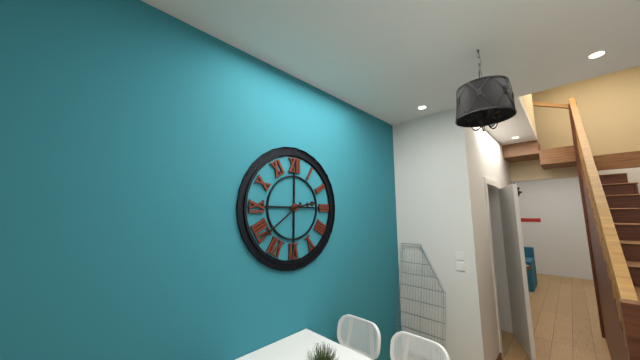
2:39
